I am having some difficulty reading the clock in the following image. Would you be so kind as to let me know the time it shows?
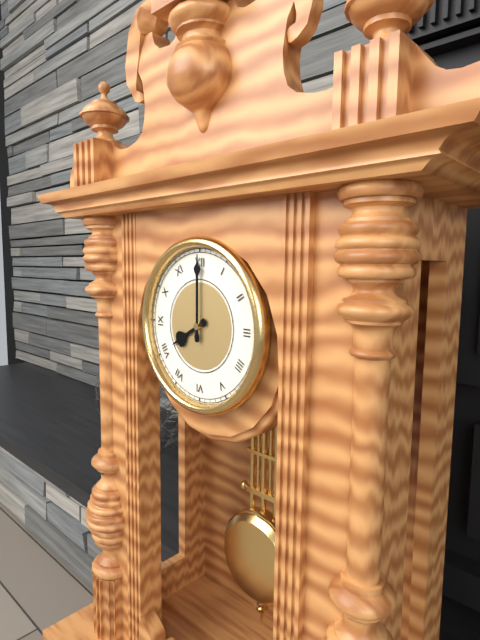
8:00
